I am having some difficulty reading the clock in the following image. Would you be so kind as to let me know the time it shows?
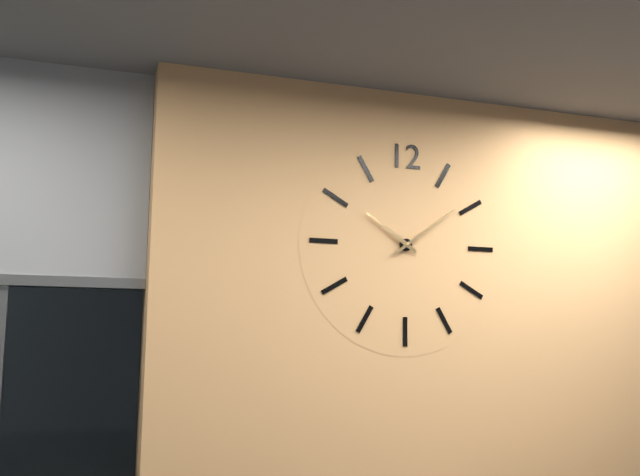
10:09
